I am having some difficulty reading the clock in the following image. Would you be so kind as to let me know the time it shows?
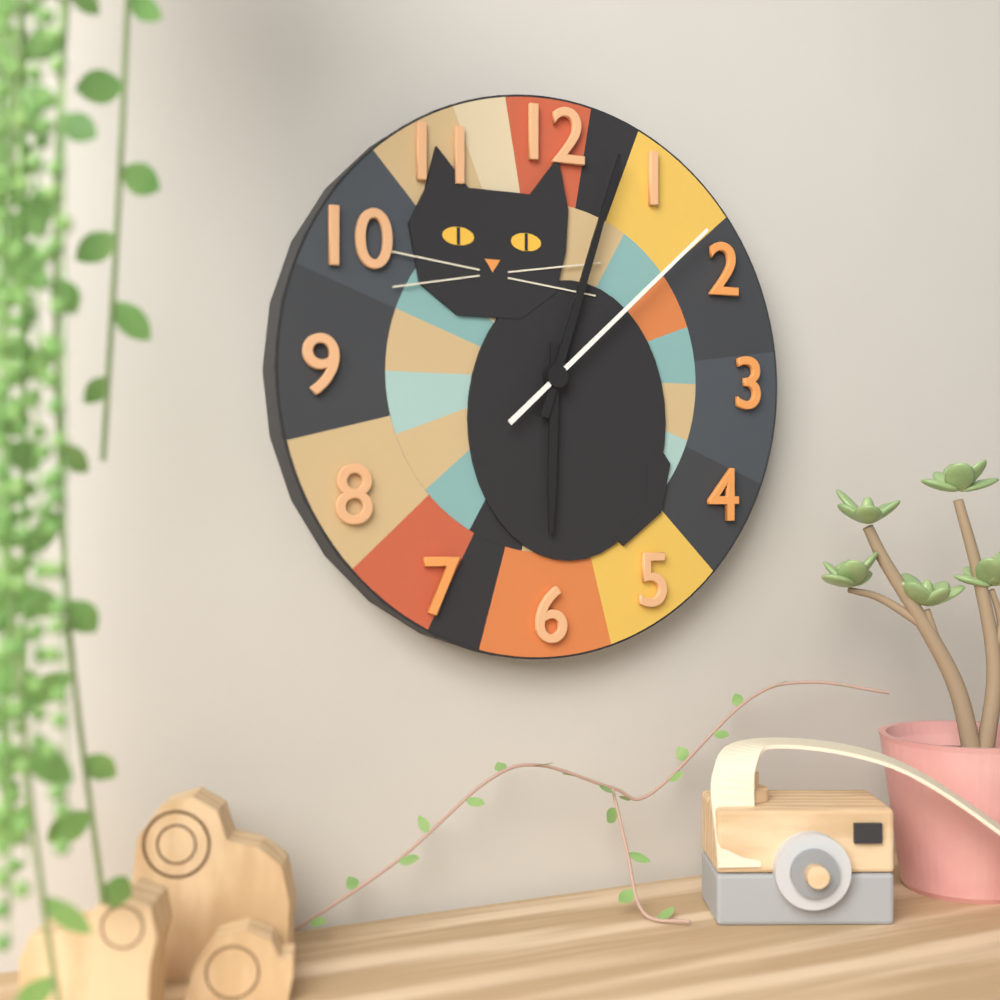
6:03:08
